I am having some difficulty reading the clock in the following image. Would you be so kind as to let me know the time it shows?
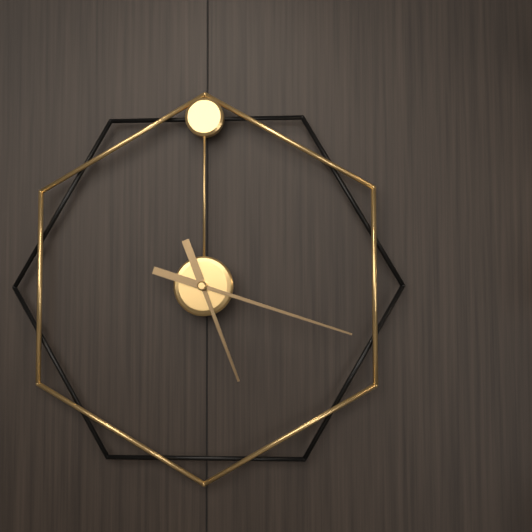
5:18
